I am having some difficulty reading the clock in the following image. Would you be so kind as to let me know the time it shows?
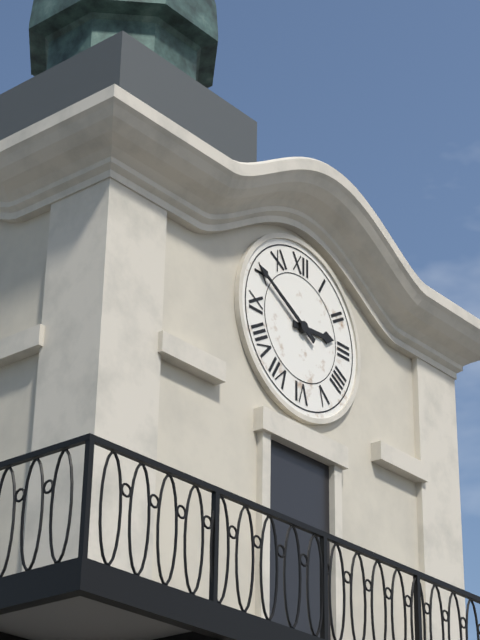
2:50
